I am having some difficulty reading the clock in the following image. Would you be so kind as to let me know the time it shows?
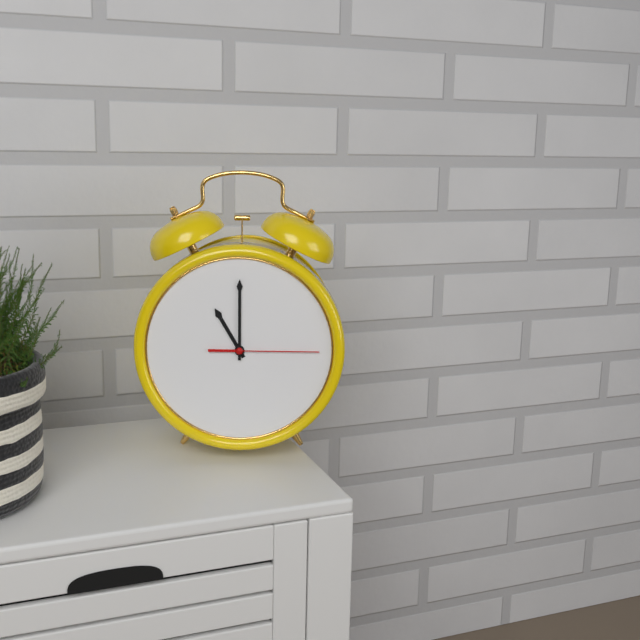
11:00:15
